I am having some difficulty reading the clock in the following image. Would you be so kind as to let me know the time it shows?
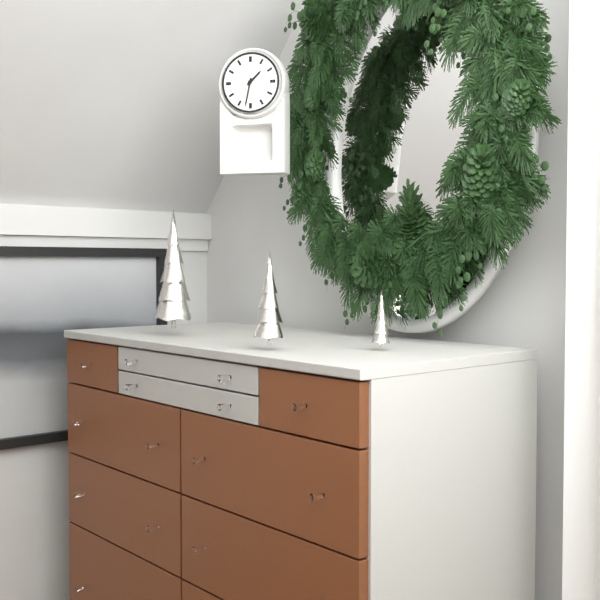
1:32
